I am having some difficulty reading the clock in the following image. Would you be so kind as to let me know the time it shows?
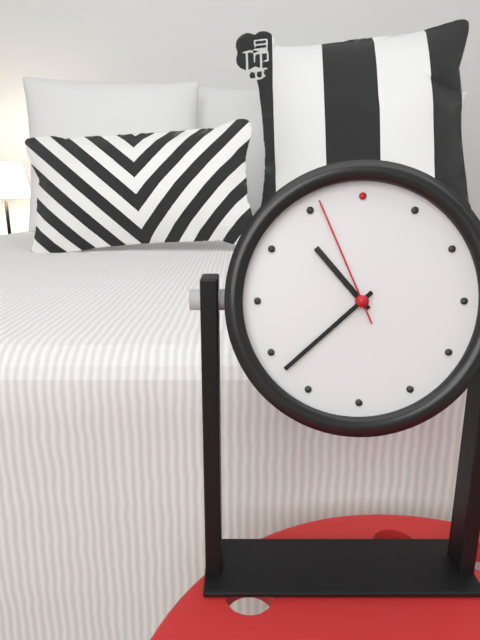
10:38:56
